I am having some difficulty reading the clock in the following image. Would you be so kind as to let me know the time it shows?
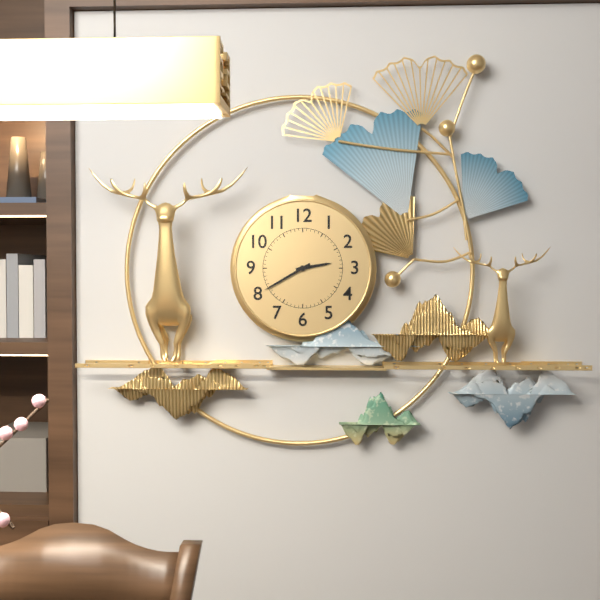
2:40
